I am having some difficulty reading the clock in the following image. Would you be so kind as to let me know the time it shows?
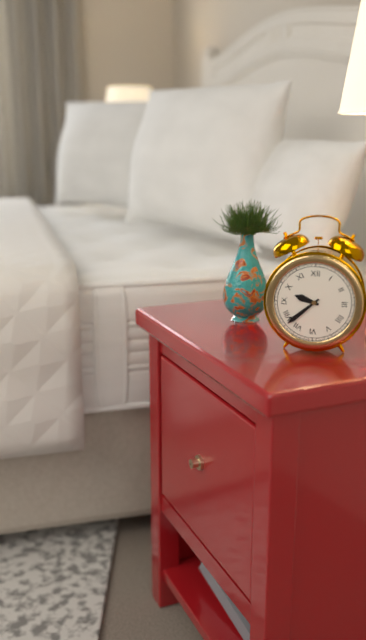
9:38
